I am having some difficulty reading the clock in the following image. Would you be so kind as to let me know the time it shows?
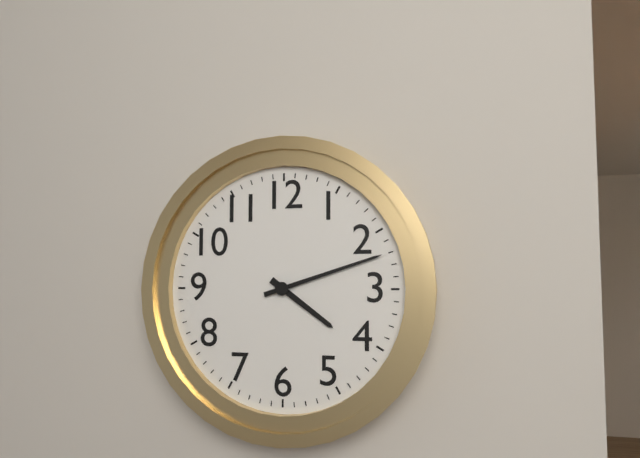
4:12
